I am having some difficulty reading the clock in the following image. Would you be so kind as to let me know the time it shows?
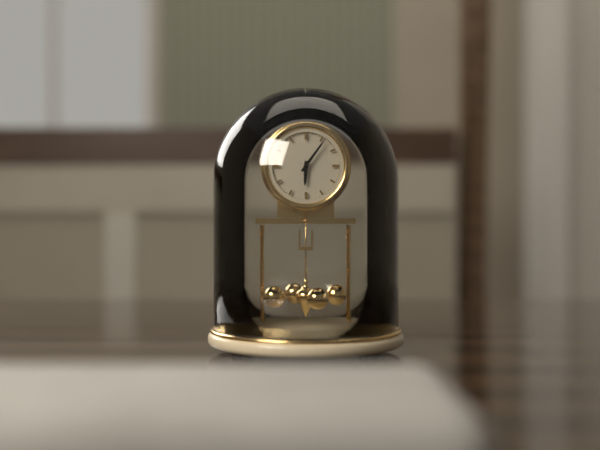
6:06
